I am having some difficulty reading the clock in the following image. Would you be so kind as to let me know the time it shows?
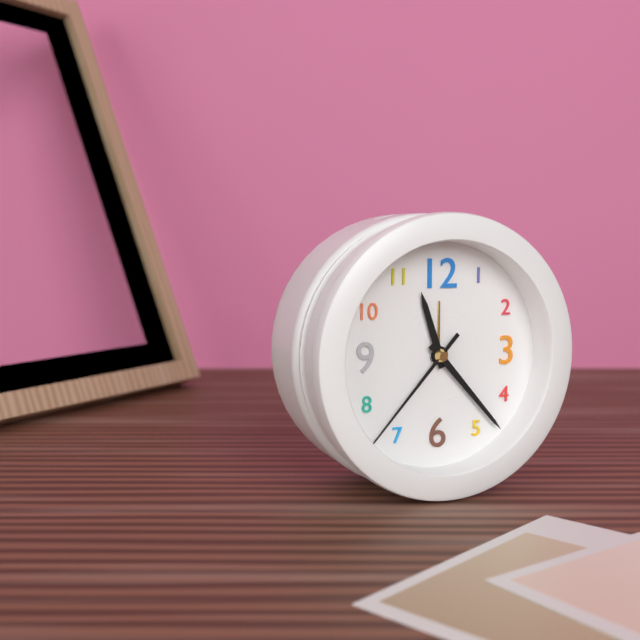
11:23:37
